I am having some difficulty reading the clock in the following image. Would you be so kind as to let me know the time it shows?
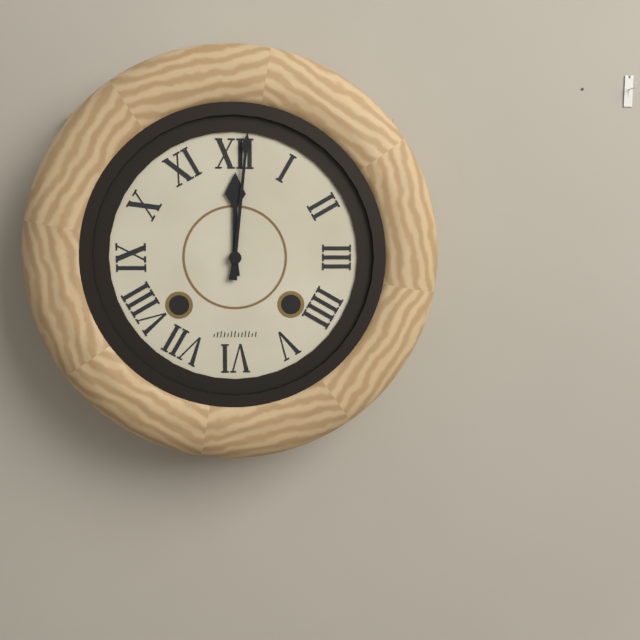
12:01
